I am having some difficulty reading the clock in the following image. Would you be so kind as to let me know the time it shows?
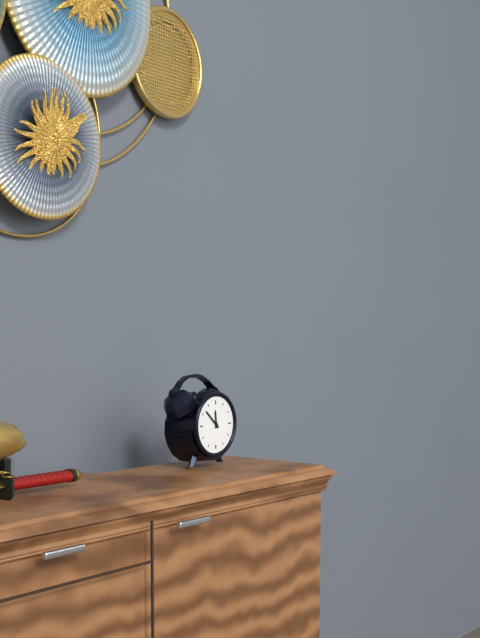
11:52
